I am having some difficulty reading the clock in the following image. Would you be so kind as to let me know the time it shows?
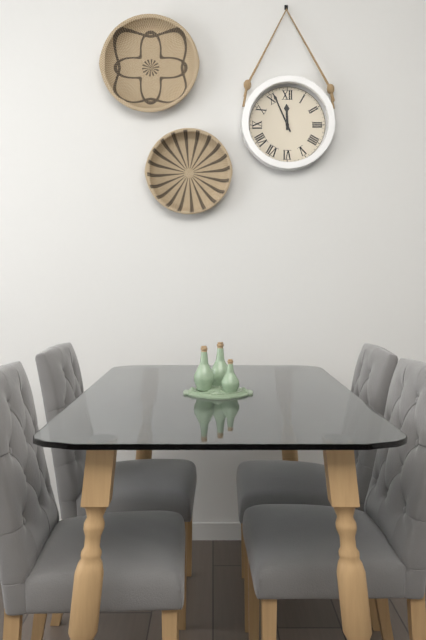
11:56
